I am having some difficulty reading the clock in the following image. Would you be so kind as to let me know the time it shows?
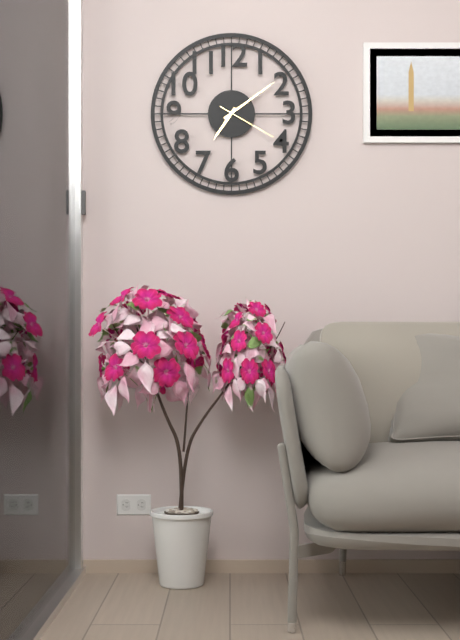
7:09:20
